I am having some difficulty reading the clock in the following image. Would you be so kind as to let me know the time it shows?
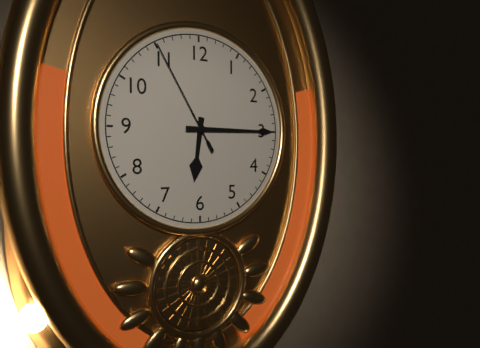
6:15:55
